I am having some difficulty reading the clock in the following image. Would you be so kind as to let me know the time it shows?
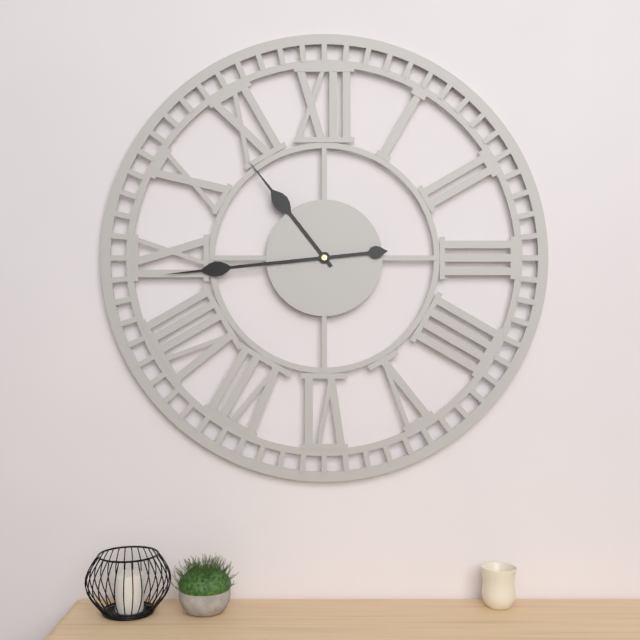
10:44
